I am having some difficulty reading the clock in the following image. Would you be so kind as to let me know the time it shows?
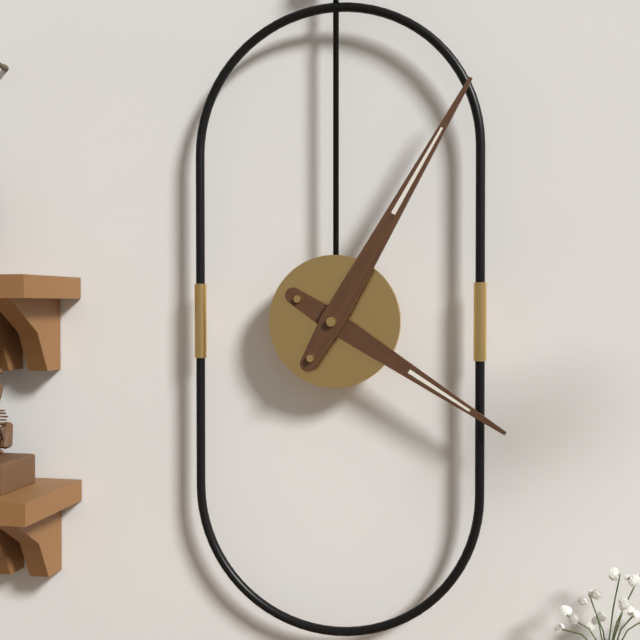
4:05
